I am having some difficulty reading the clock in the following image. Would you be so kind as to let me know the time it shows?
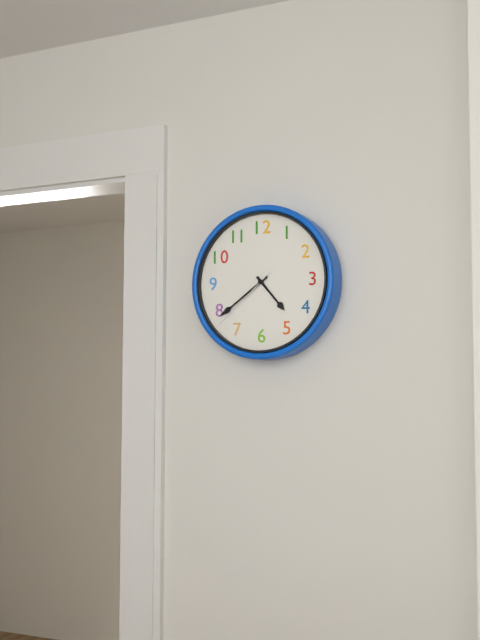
4:39:38
